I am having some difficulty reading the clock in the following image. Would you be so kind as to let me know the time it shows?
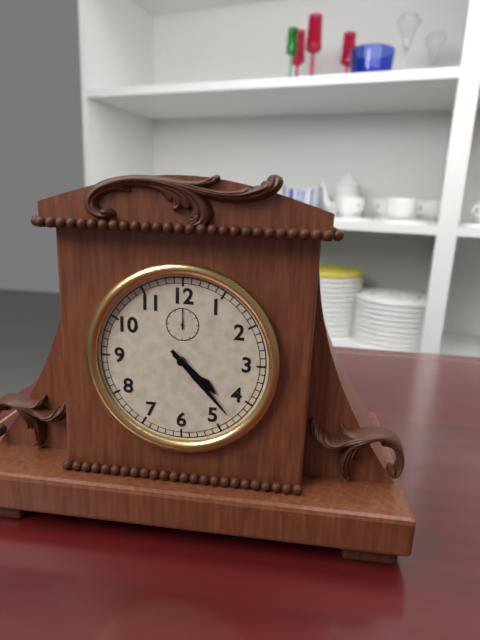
4:23
